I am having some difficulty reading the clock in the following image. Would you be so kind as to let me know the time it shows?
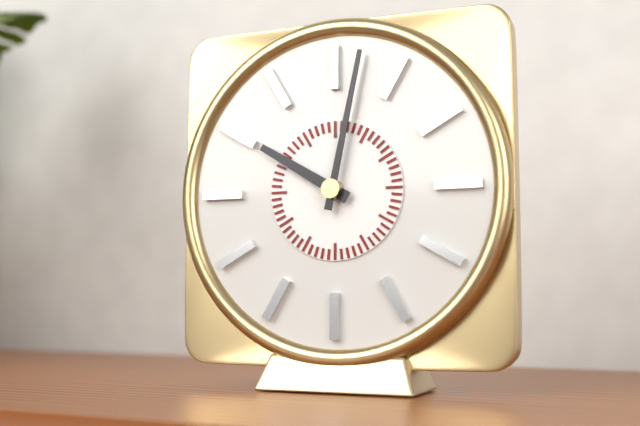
10:02
